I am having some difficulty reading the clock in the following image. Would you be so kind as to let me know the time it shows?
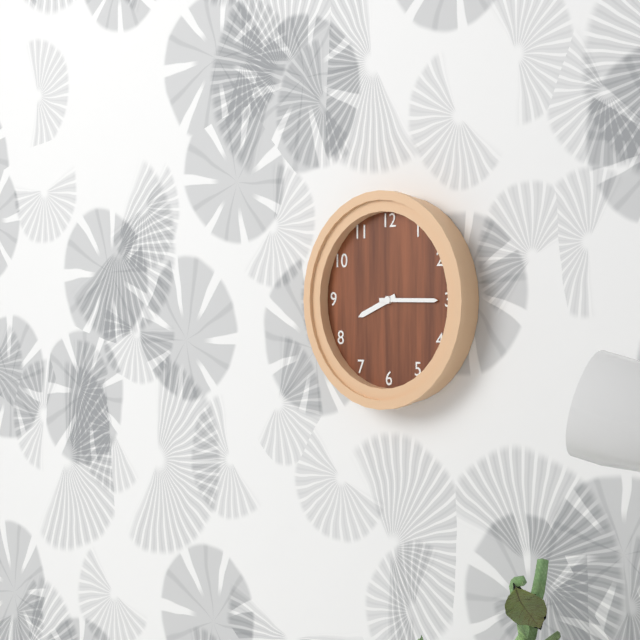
8:15
